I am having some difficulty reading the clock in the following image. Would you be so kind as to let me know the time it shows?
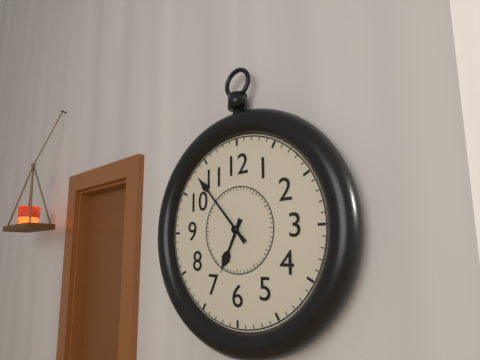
6:53
